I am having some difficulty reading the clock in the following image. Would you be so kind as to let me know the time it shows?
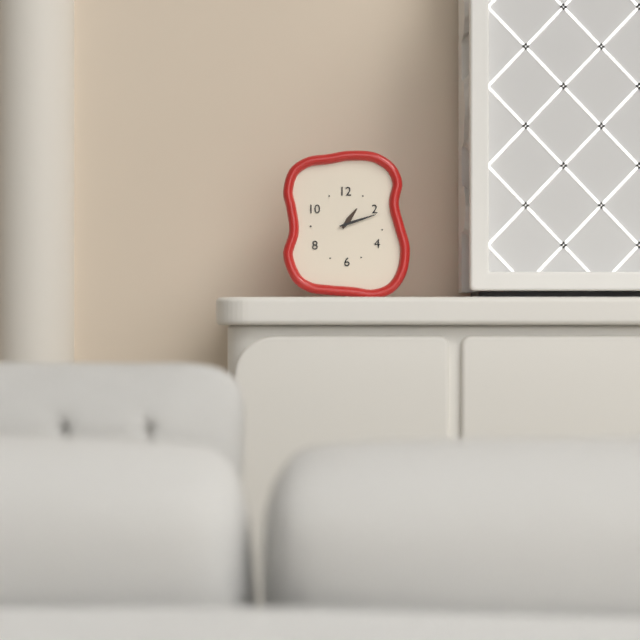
1:12
